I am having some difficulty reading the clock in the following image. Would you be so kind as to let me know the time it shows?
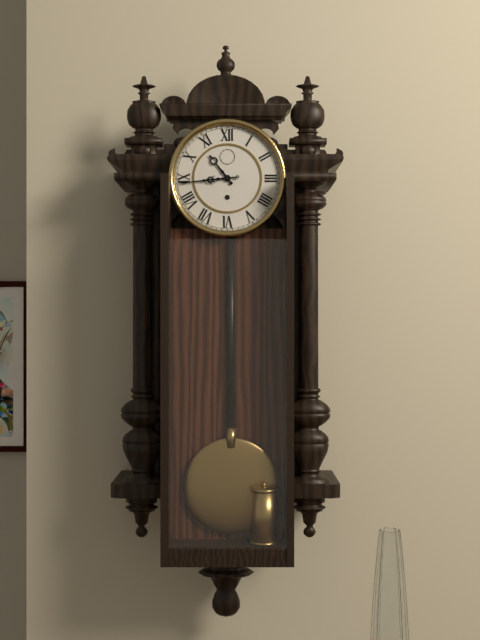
10:44
